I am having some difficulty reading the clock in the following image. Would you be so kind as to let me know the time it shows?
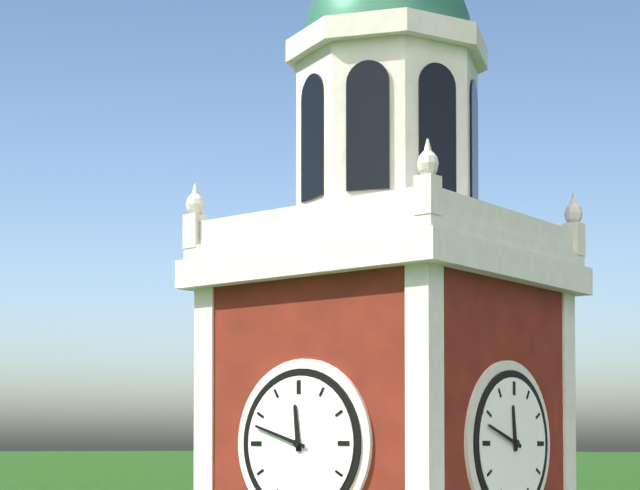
11:48
